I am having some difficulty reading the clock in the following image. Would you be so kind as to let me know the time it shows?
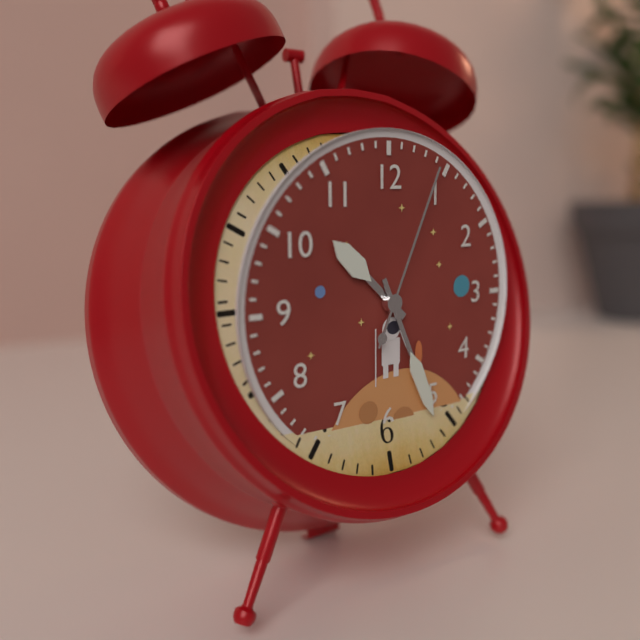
10:26:04
